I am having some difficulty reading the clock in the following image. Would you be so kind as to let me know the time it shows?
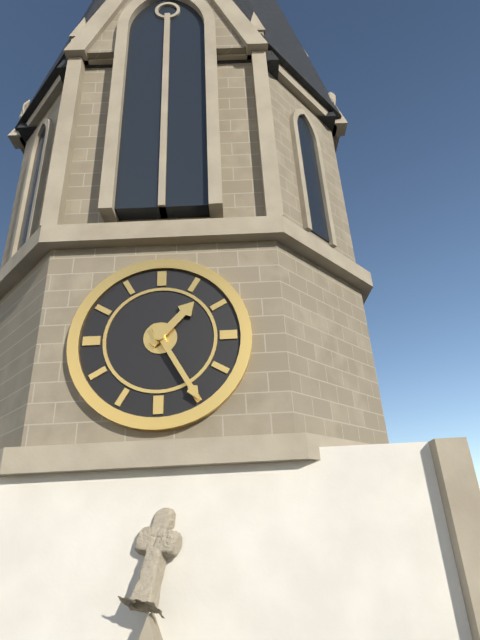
1:25
